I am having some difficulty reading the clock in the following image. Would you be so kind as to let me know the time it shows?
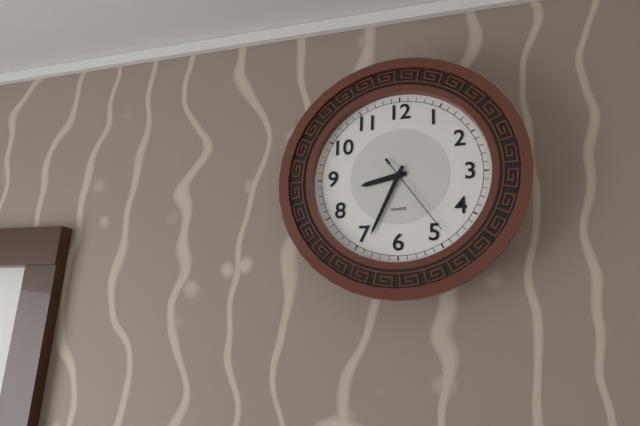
8:34:24
